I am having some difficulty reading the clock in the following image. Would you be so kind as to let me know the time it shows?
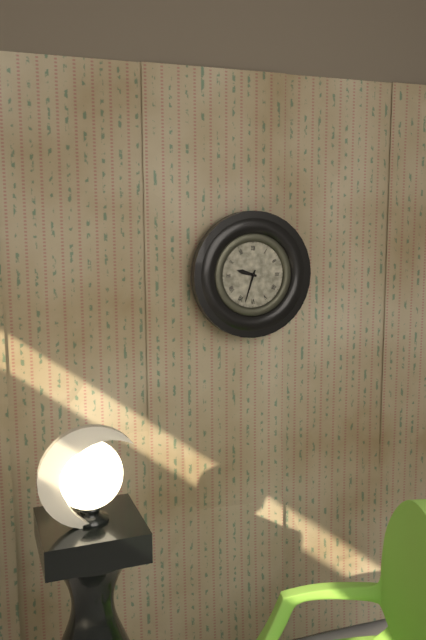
9:33
